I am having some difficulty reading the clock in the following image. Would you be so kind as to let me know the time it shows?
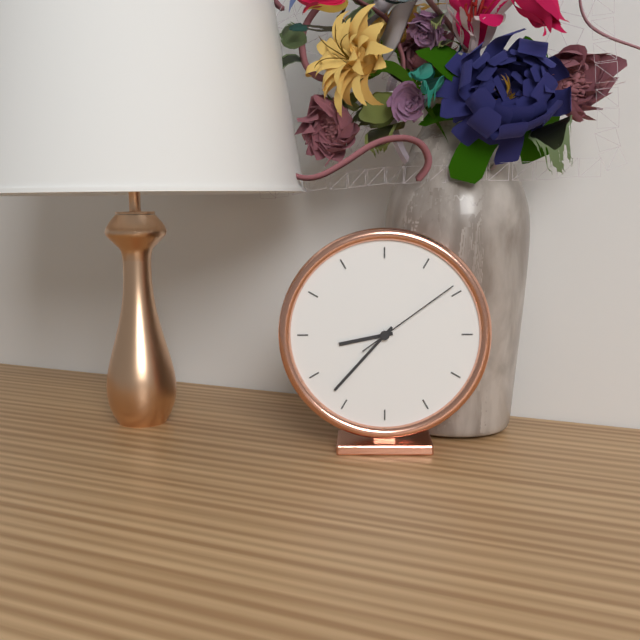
8:37:09
